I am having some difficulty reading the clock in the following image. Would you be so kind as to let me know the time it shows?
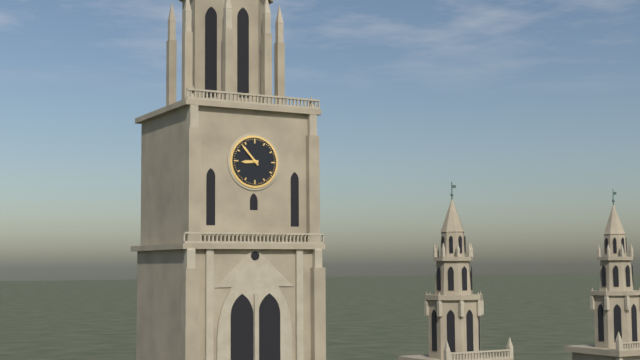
8:53
